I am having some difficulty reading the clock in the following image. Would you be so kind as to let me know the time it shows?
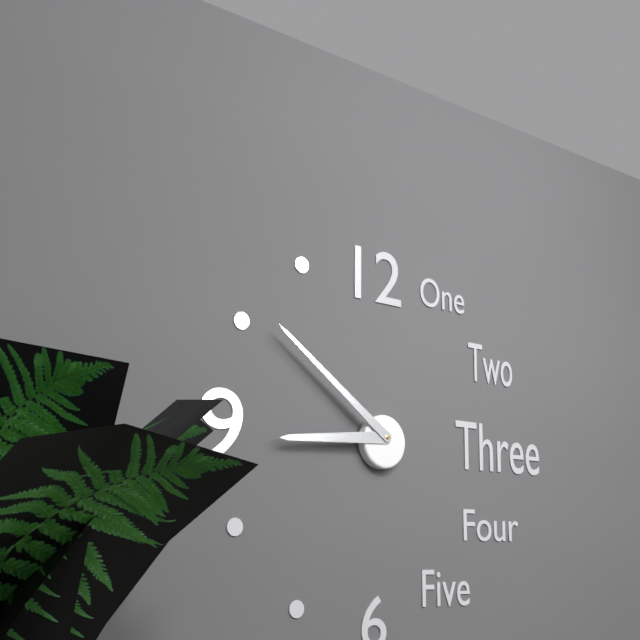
8:51
